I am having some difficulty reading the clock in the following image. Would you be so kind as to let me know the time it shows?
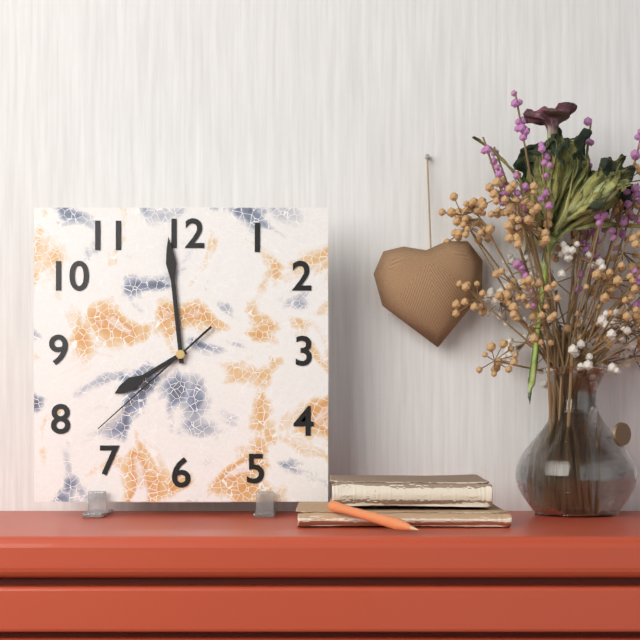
7:59:38
